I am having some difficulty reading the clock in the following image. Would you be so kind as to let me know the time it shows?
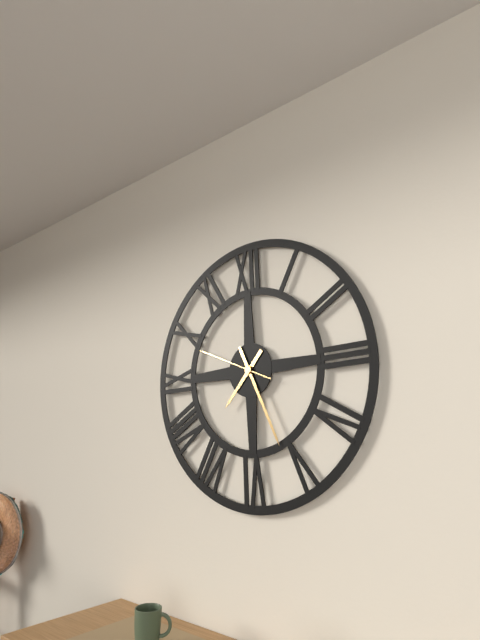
7:26:49
